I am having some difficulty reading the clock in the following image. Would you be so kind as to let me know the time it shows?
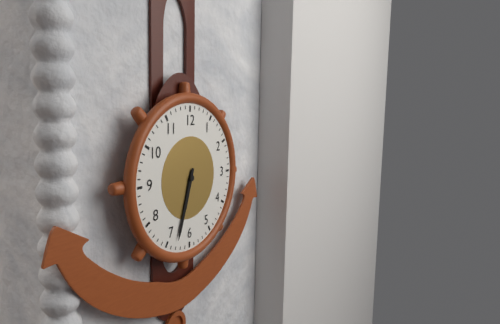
6:33
